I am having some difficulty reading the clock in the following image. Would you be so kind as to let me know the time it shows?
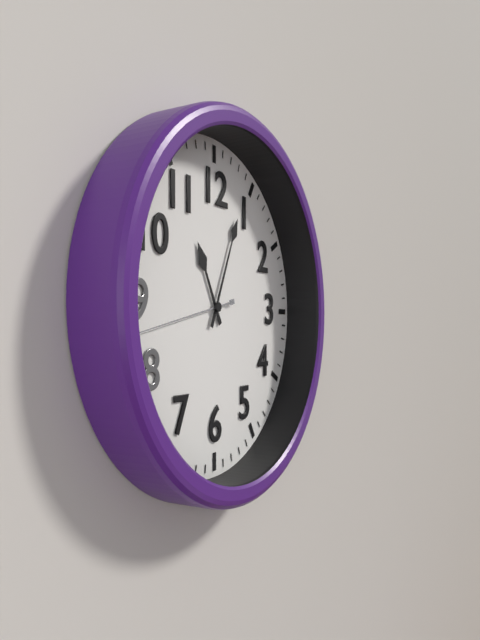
11:04:43
